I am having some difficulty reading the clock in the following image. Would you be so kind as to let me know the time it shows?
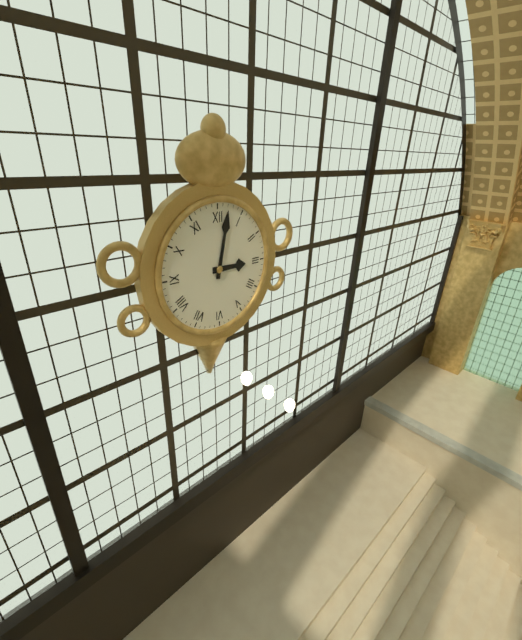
3:02
